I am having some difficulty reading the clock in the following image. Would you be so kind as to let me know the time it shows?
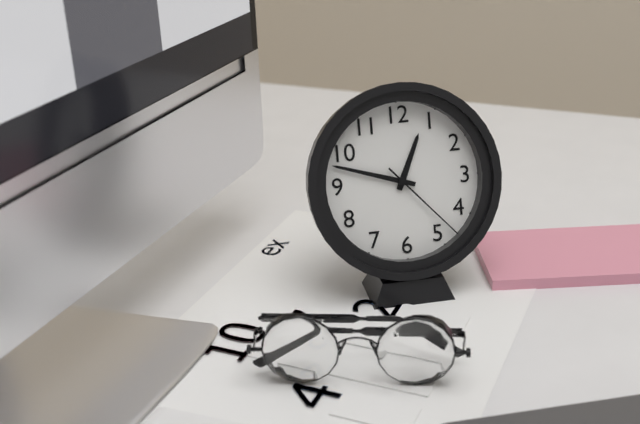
12:48:23
